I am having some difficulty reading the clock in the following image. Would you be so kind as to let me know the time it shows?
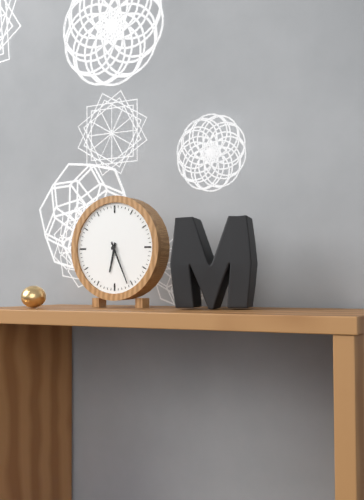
6:26
